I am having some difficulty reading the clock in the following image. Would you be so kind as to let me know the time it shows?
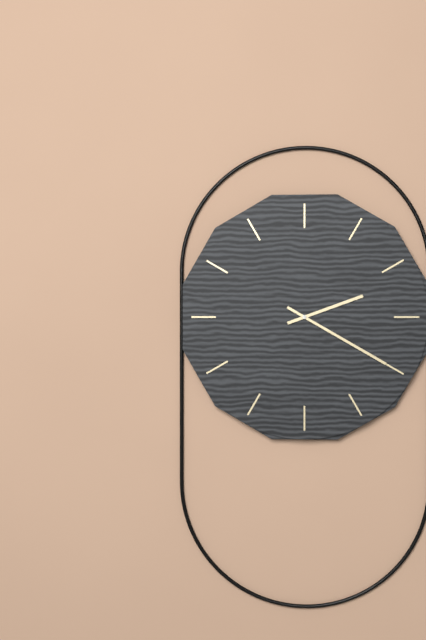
2:20
